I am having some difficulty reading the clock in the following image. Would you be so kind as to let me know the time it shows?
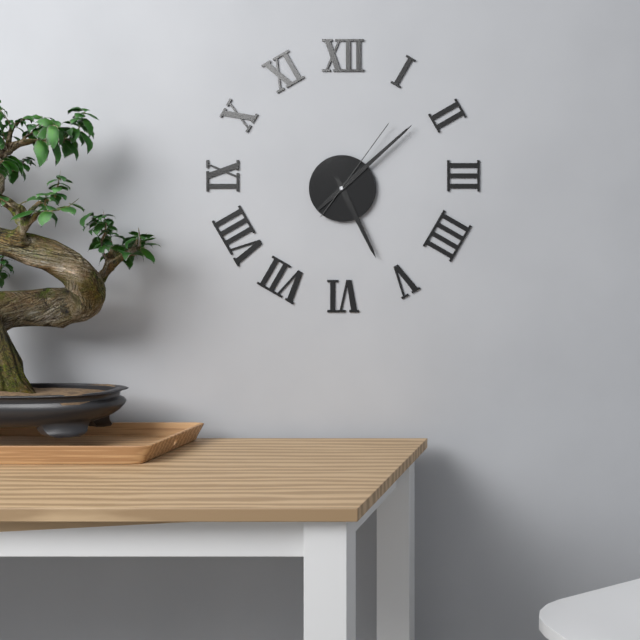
5:08:06
